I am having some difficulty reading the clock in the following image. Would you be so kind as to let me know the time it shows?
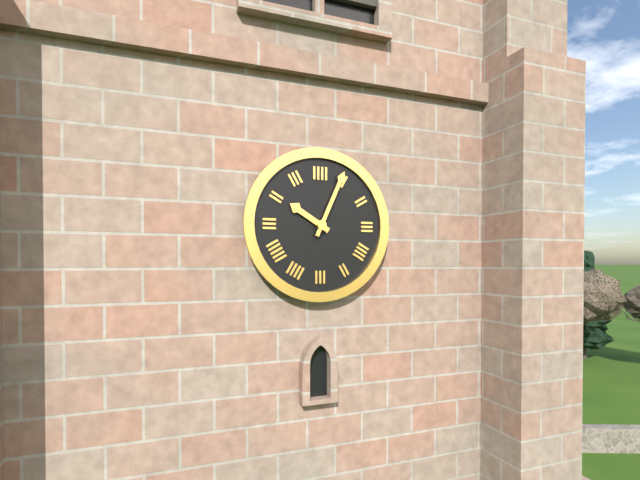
10:04
